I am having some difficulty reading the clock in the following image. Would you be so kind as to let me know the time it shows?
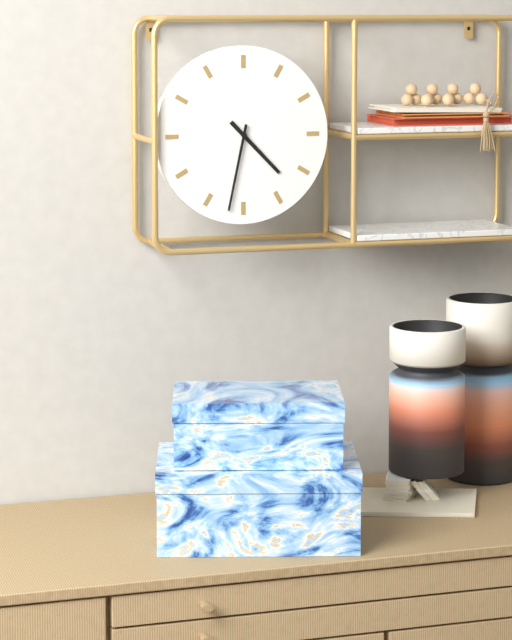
4:32
